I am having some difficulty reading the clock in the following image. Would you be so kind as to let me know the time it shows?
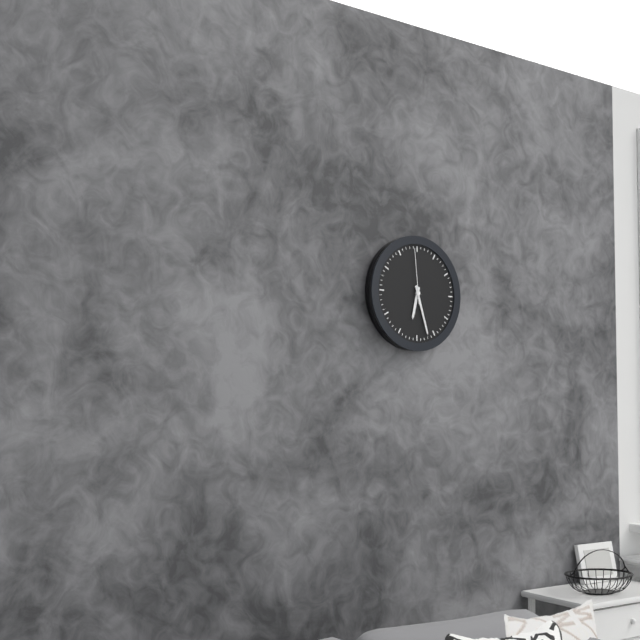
6:27:59
